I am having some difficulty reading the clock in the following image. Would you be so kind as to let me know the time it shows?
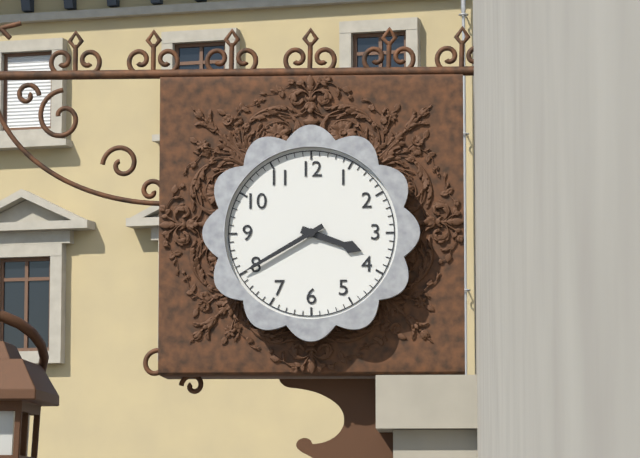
3:40
